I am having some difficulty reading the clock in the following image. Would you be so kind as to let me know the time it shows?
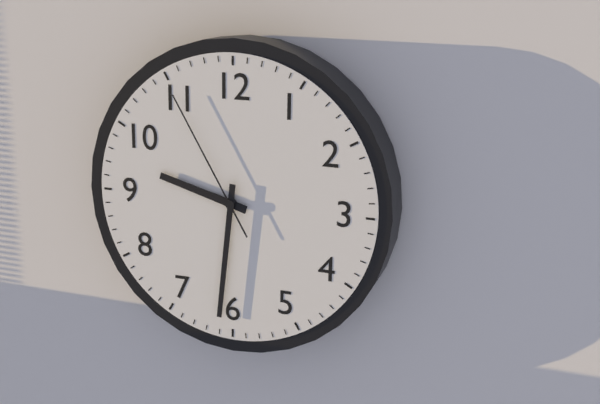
9:31:55
